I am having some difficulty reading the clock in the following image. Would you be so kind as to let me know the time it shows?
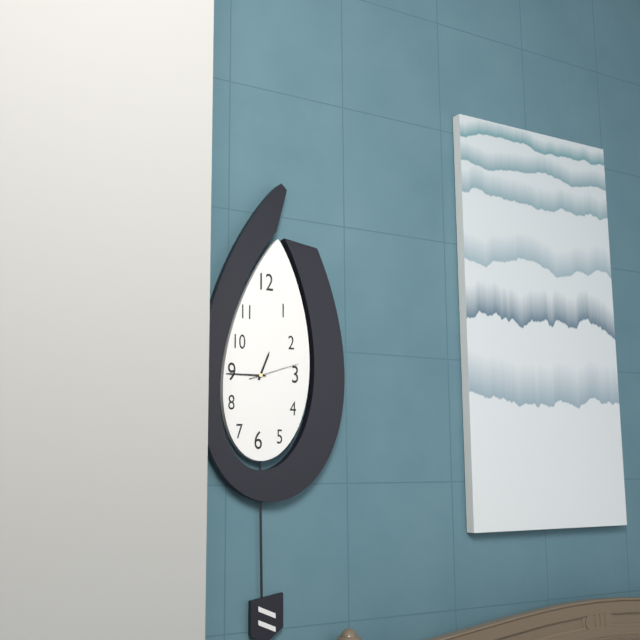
12:45:12
